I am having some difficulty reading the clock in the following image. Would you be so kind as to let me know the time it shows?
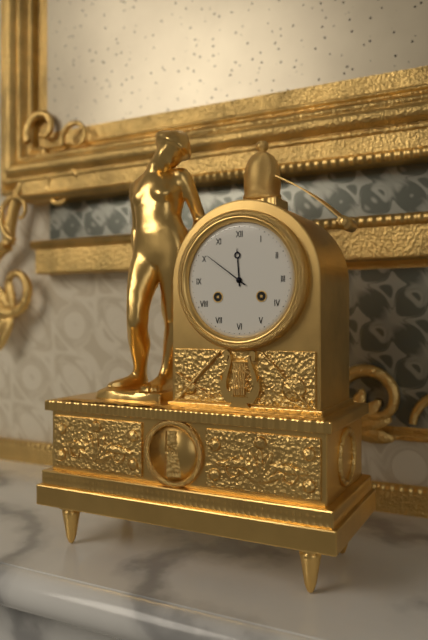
11:51
